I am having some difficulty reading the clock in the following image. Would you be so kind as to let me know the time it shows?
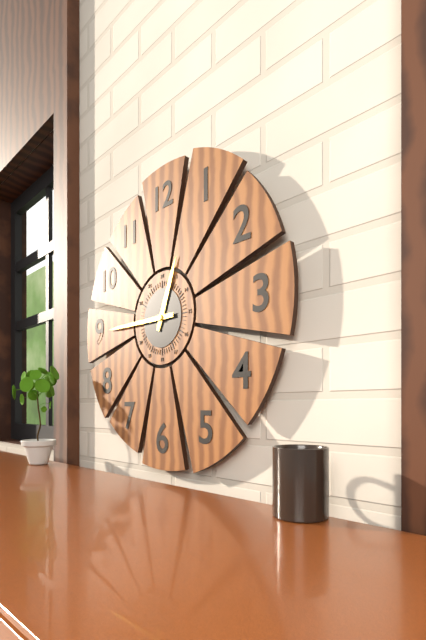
12:45
